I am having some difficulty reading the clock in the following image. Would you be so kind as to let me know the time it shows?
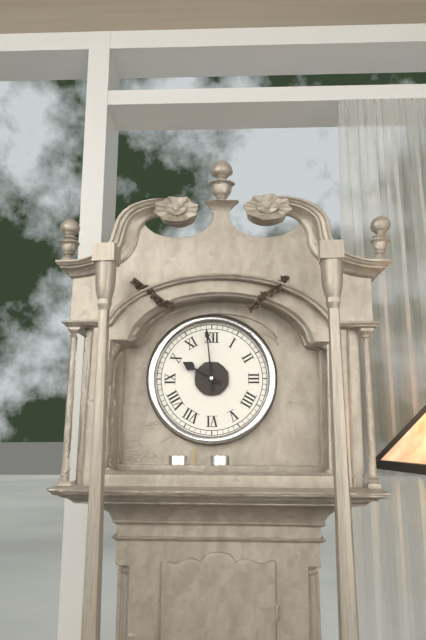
9:59
